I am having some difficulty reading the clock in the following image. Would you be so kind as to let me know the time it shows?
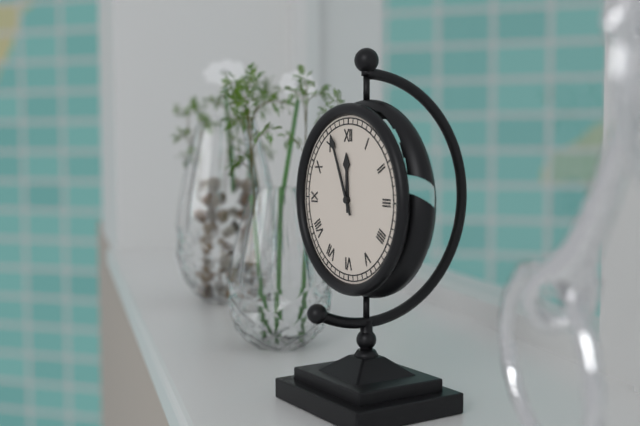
11:56
